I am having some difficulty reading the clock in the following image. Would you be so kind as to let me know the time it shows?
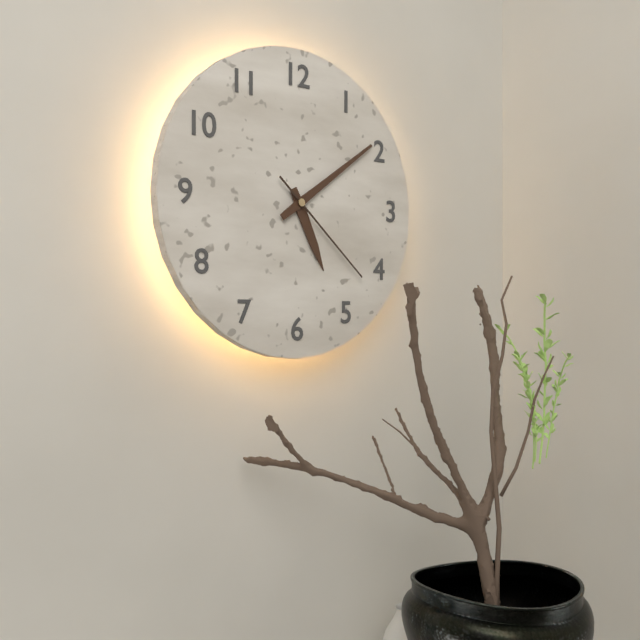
5:09:22
